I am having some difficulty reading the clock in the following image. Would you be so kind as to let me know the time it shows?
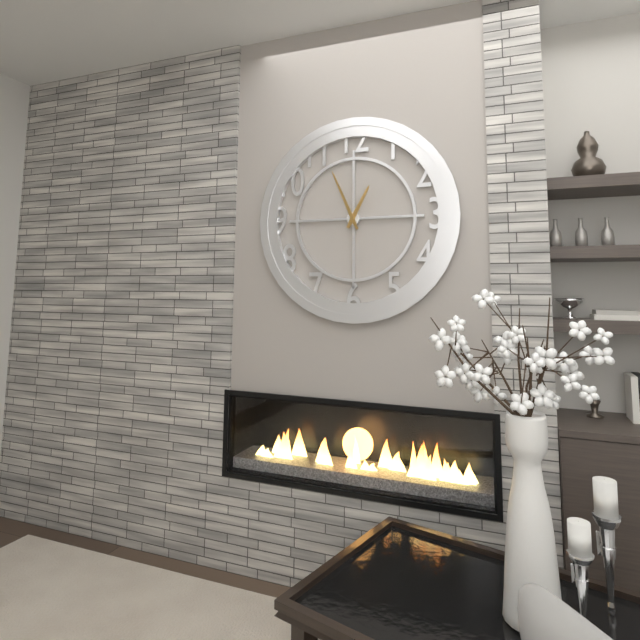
12:56
